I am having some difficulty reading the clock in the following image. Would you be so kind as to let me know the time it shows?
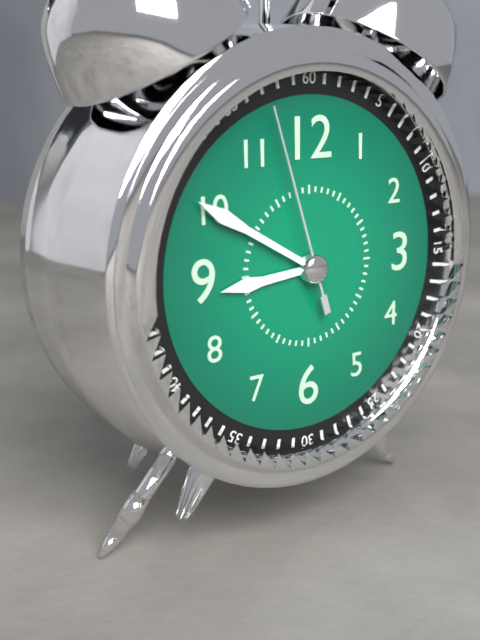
8:50:57
